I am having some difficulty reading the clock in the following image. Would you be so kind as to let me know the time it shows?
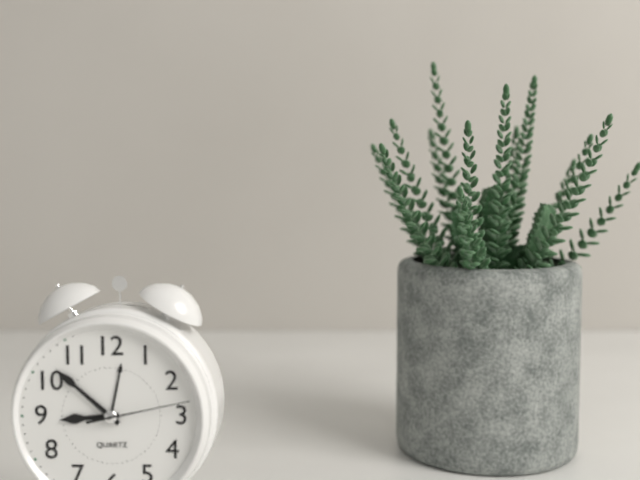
8:52:13
